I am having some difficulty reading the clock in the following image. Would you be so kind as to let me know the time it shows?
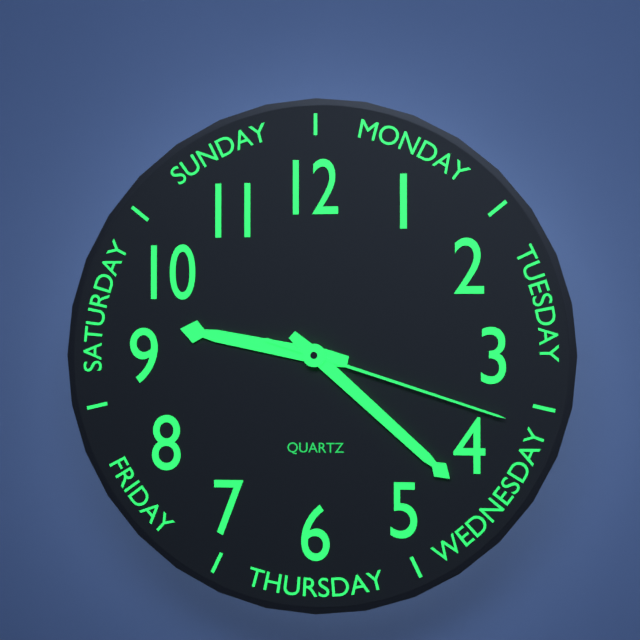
9:22:18
